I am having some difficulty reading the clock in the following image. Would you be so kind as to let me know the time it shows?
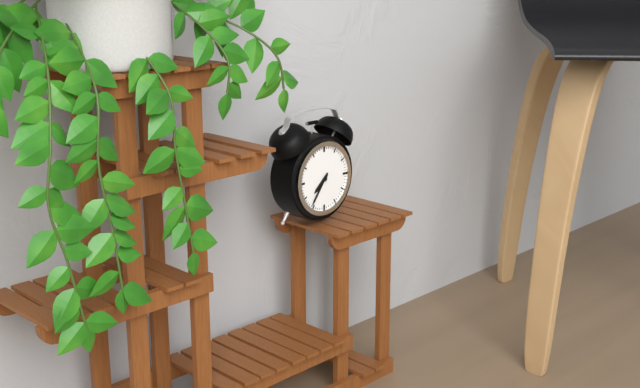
7:36
